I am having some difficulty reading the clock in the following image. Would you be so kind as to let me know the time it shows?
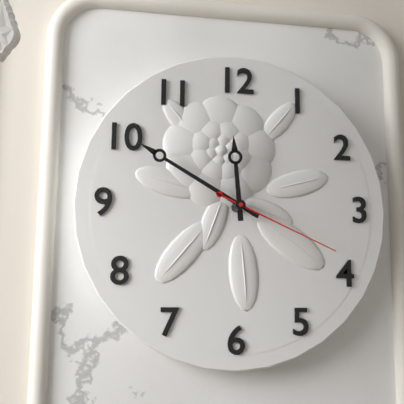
11:50:19
